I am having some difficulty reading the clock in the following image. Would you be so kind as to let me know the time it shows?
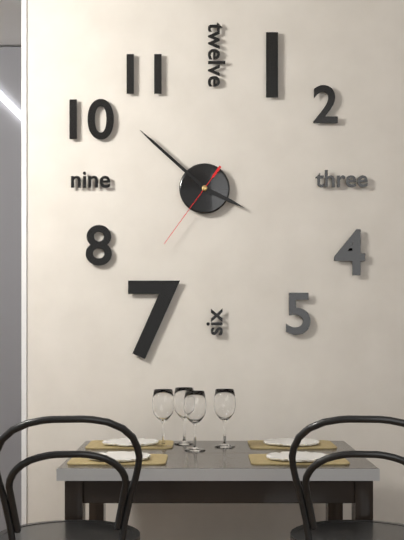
3:52:36
